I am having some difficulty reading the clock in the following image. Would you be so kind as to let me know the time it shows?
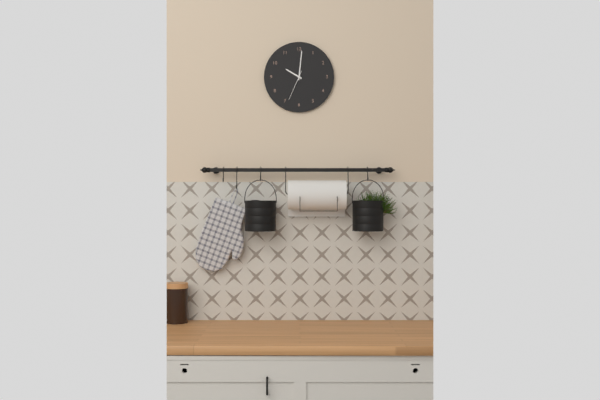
10:01
